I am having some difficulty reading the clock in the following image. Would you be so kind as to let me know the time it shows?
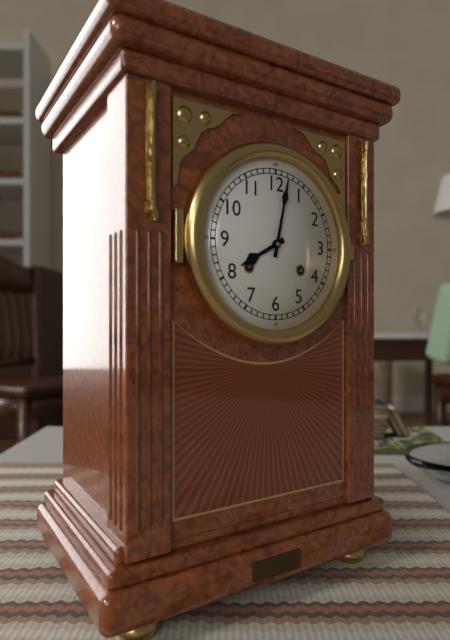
8:02
